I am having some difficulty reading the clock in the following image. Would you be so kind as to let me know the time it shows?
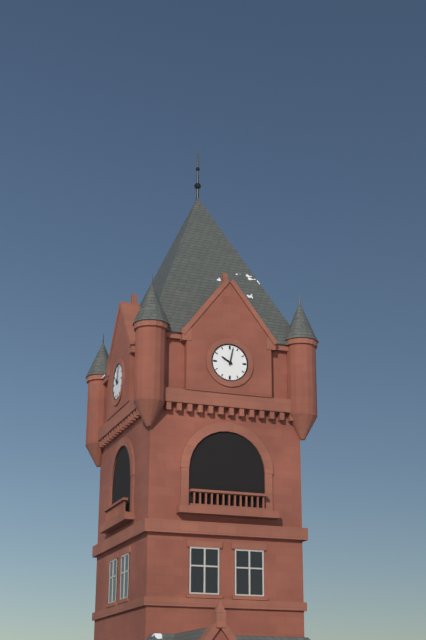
10:02
